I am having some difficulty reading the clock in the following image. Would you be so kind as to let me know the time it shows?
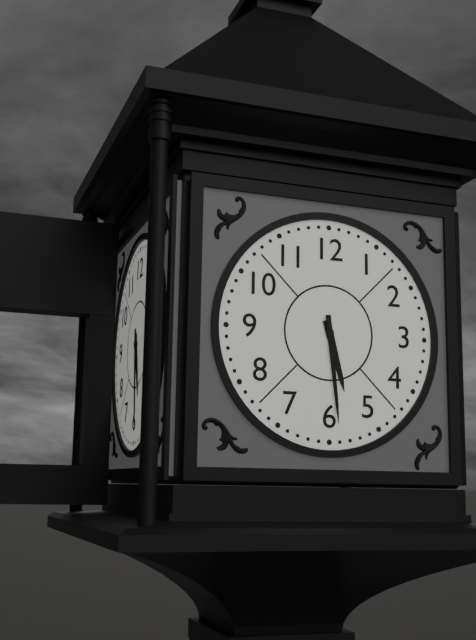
5:29
